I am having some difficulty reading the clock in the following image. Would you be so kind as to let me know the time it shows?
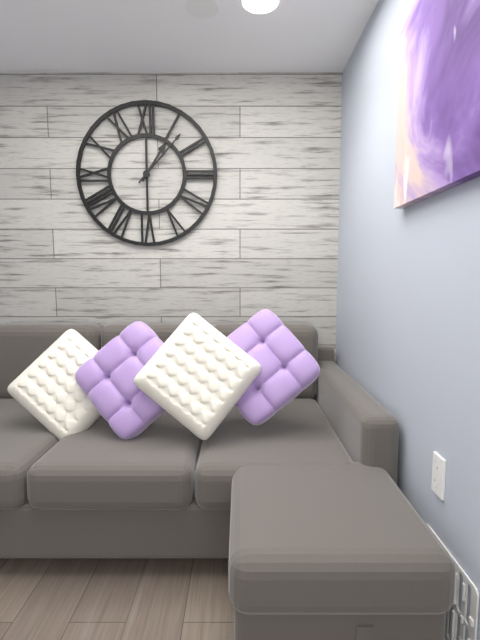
1:07
